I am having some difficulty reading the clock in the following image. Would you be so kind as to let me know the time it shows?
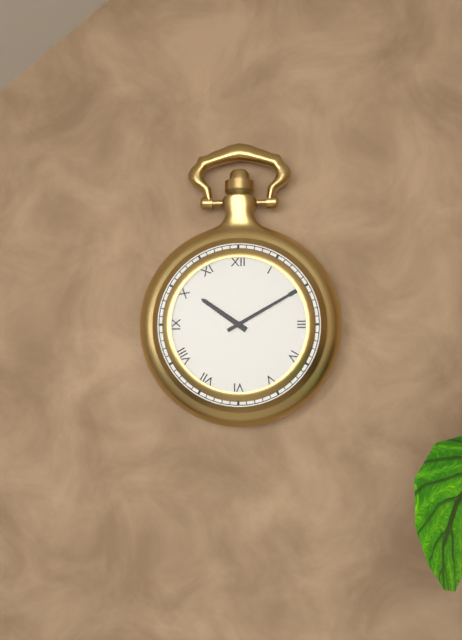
10:10
